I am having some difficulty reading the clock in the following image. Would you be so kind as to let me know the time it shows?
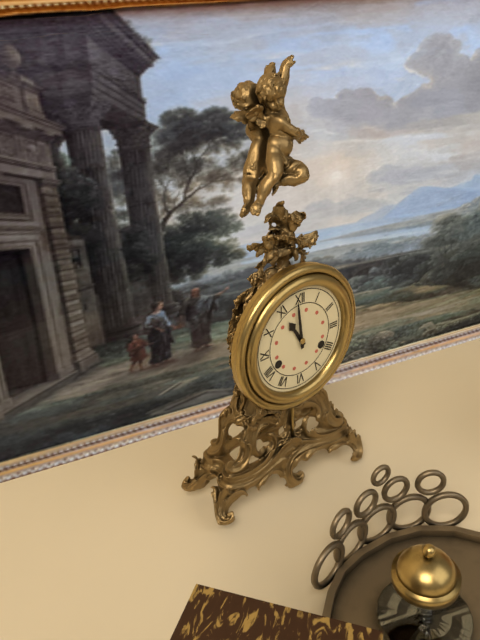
10:59
